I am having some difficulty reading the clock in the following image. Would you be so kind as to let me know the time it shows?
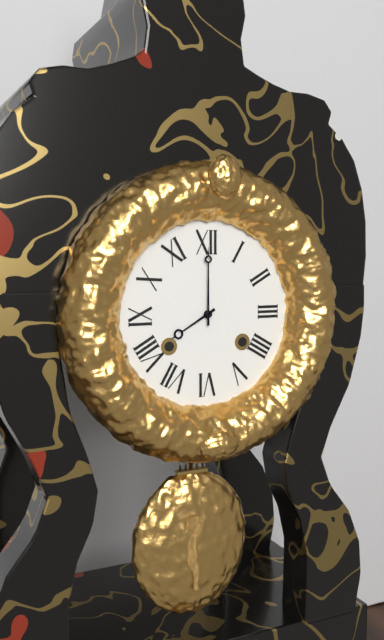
8:00
